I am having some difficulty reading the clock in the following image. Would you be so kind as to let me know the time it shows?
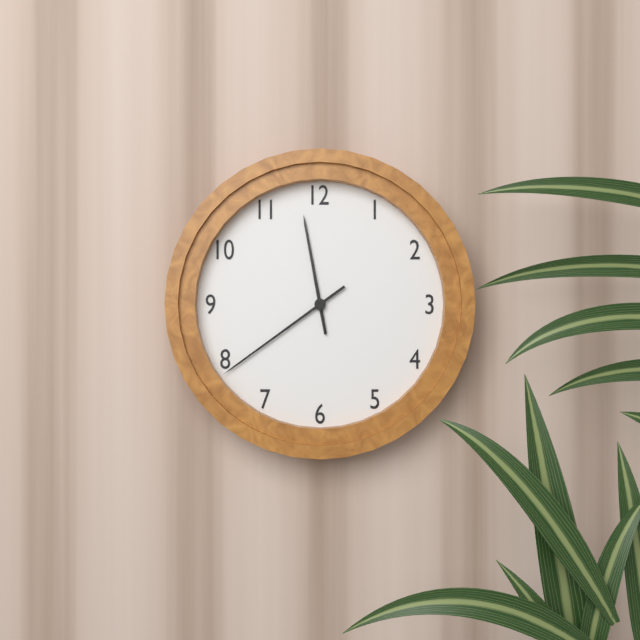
11:39
